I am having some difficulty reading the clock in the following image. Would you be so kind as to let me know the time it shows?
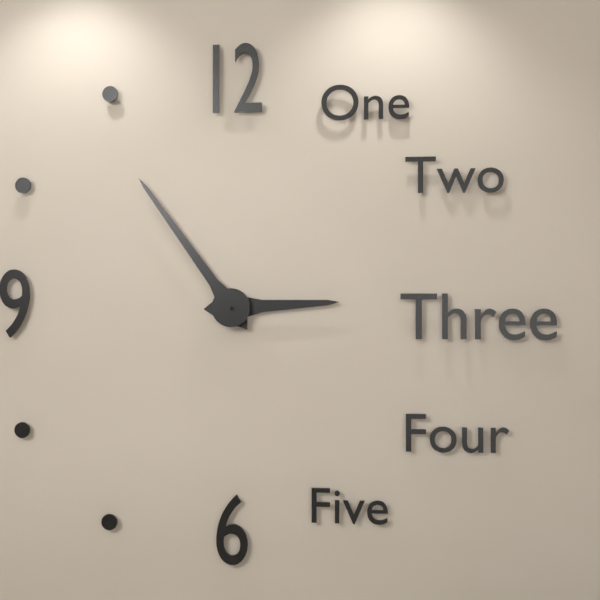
2:54
